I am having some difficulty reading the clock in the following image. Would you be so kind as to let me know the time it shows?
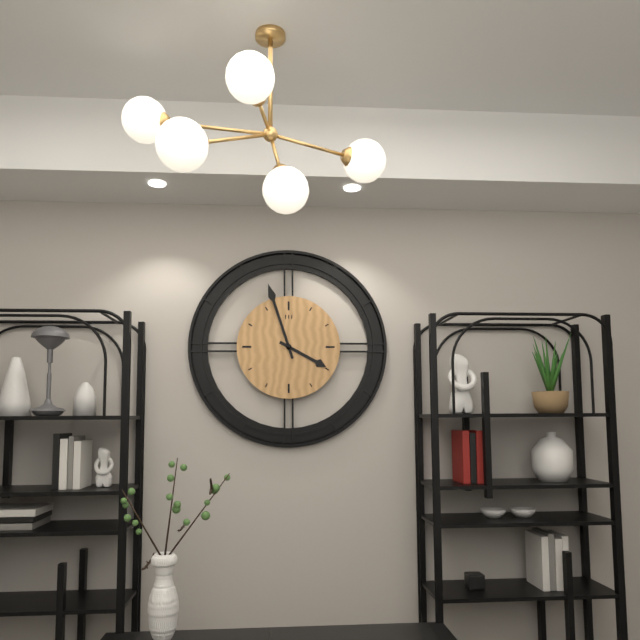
3:57
